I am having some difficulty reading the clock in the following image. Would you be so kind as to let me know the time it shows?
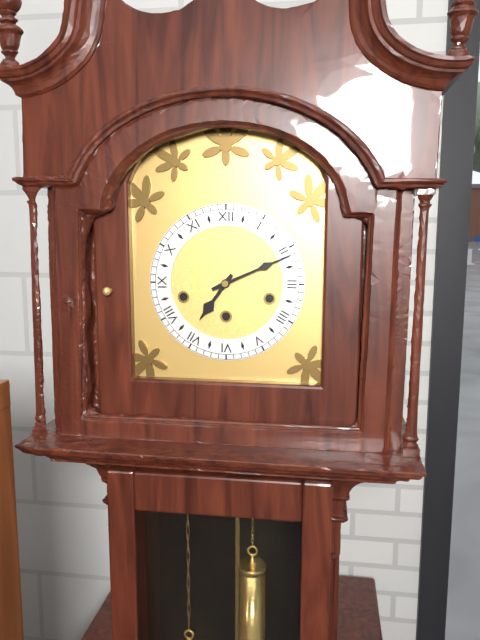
7:11
